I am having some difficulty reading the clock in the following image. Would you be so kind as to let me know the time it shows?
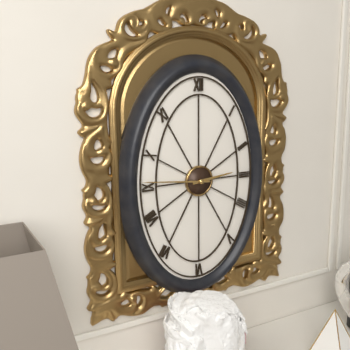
2:46
